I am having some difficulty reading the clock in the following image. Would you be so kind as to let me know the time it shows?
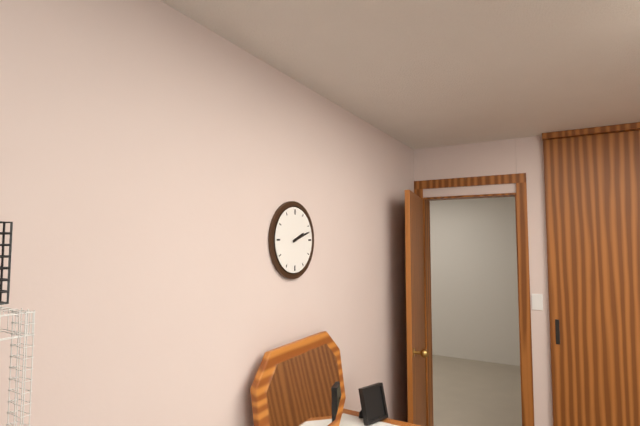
2:12
